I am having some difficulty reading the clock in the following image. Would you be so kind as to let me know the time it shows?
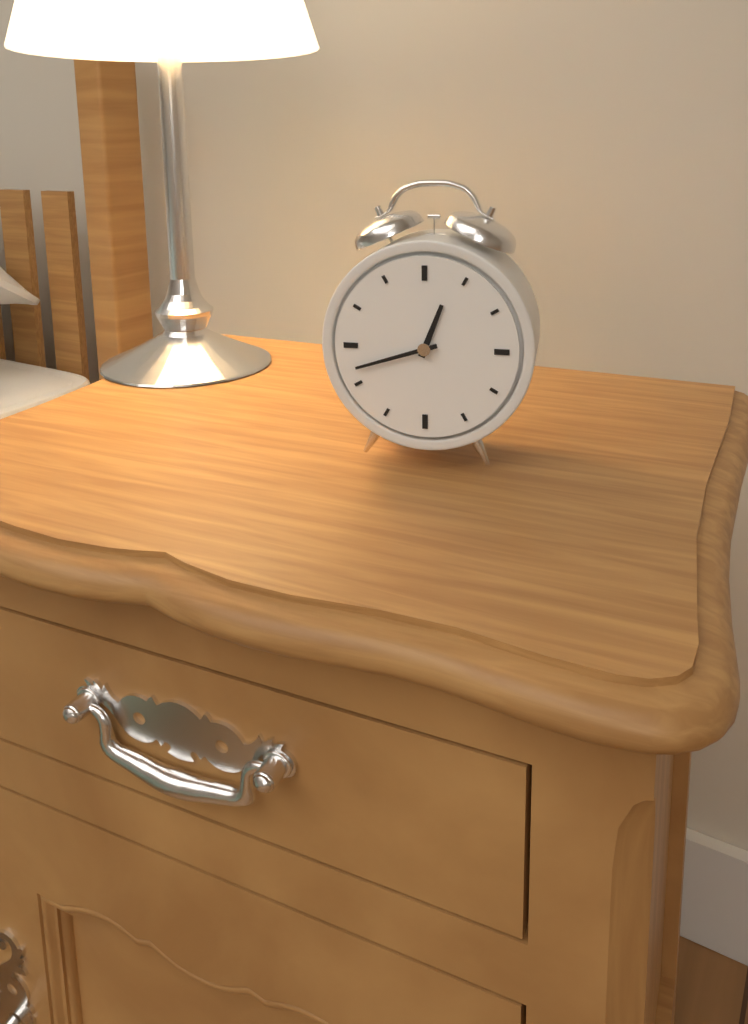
12:42
